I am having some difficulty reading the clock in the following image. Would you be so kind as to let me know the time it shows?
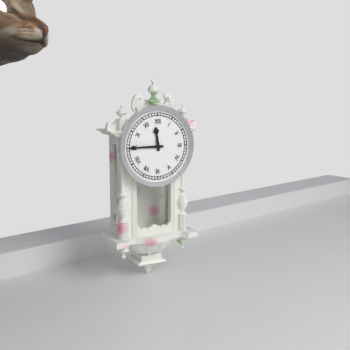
11:45
